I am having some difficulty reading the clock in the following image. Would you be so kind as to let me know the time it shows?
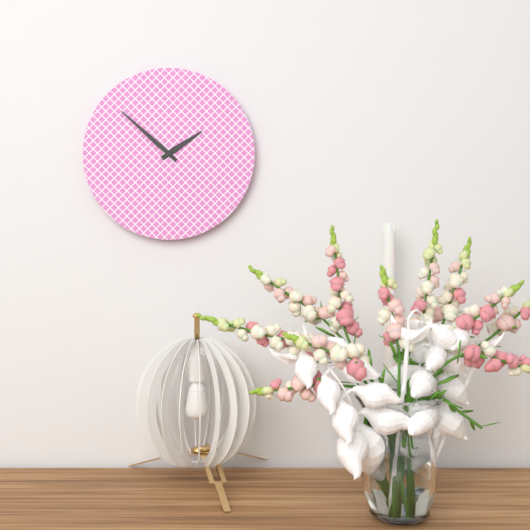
1:52
